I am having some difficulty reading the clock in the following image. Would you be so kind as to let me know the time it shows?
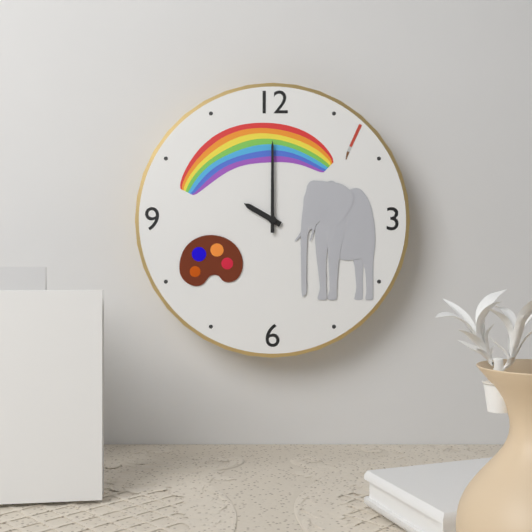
10:00
